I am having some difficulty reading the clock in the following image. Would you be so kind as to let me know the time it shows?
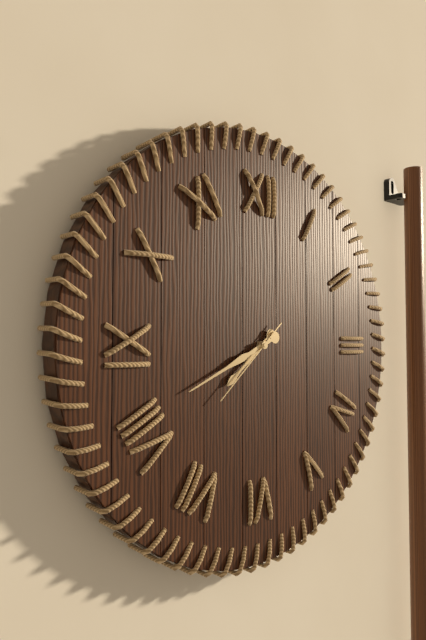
7:41:38
